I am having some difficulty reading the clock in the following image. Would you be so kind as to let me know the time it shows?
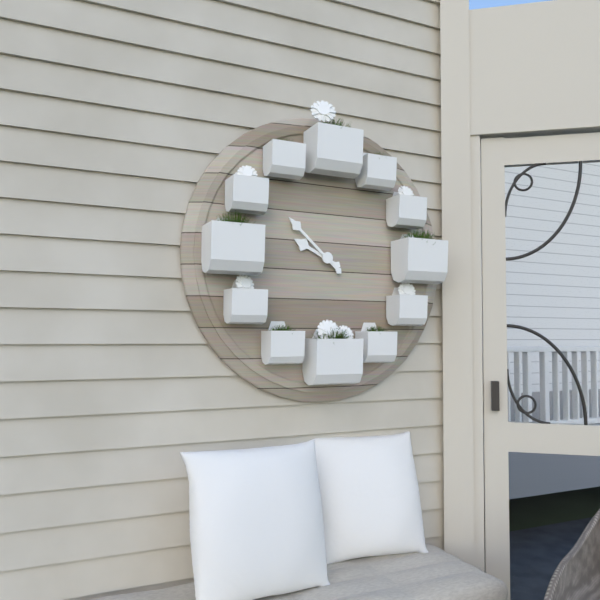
9:52
